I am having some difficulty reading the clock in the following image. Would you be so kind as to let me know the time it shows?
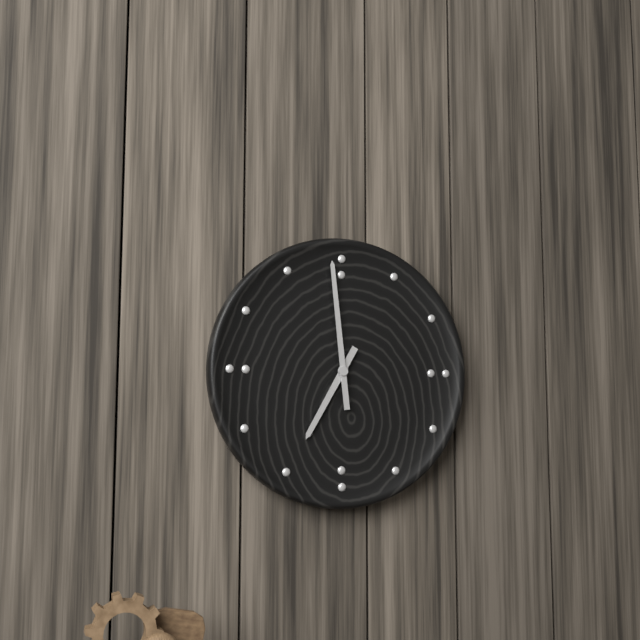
6:59
